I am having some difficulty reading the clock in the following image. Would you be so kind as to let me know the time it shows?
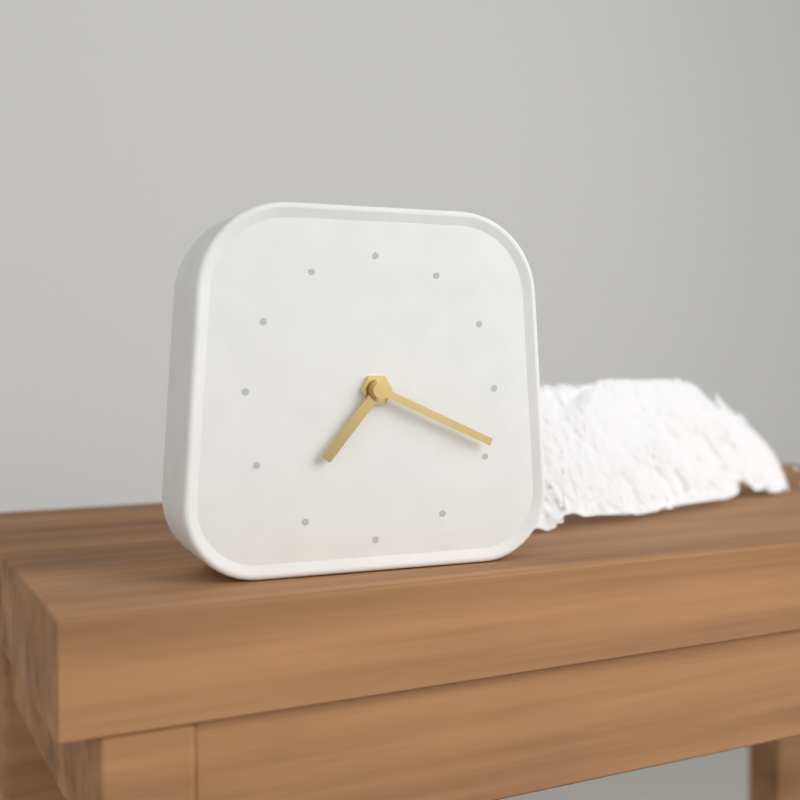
7:19
